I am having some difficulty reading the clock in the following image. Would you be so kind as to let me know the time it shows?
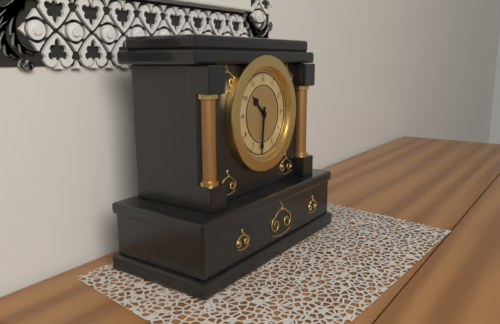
10:31
